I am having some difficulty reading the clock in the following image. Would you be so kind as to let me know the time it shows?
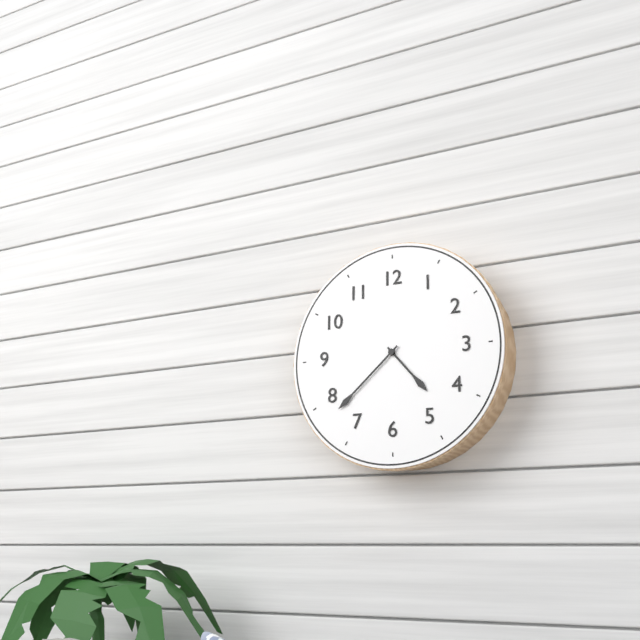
4:38
